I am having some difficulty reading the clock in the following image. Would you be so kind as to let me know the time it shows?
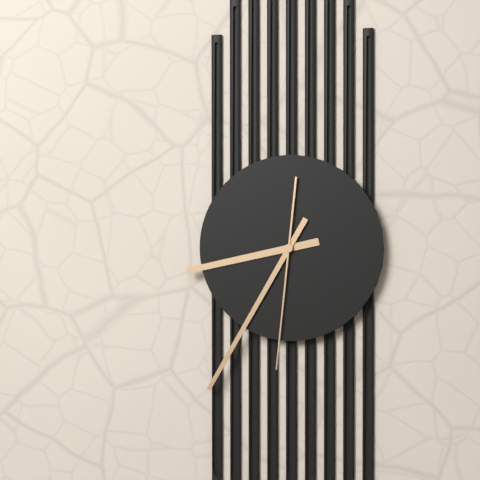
8:35:31
